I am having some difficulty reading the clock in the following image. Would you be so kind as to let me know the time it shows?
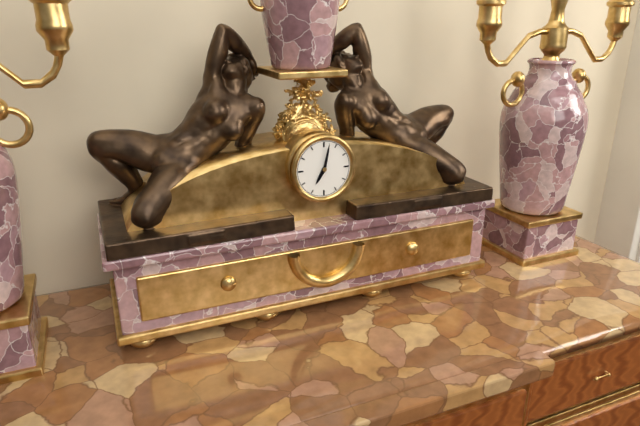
7:02
